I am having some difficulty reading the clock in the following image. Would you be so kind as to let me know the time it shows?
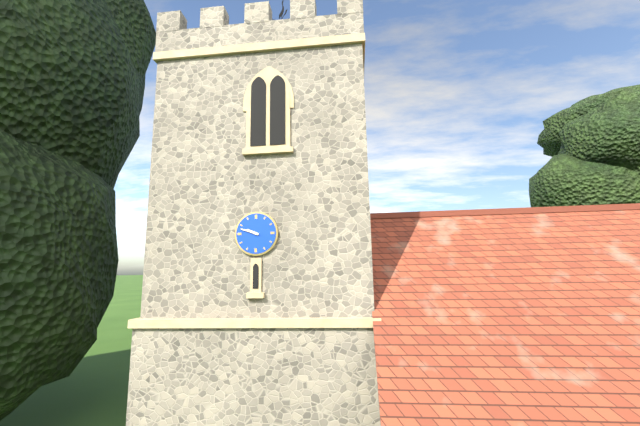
9:48
